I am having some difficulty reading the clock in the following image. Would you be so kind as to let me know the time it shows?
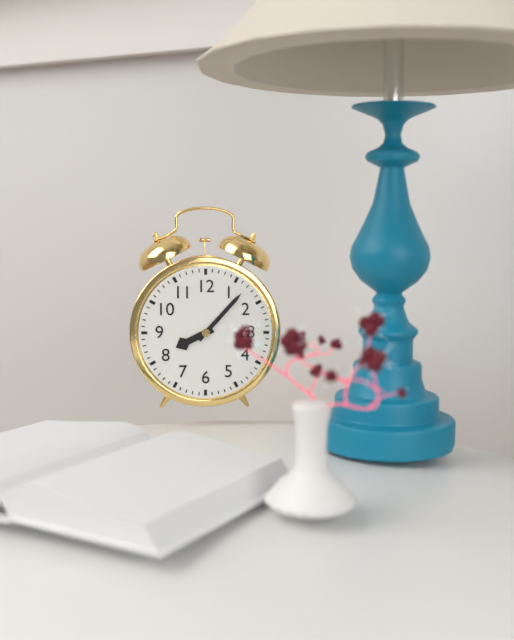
8:07
